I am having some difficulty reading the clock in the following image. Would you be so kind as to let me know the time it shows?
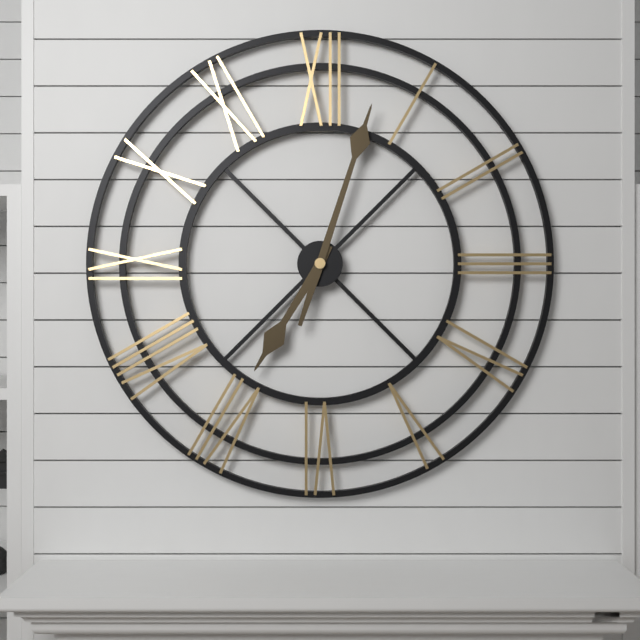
7:03
